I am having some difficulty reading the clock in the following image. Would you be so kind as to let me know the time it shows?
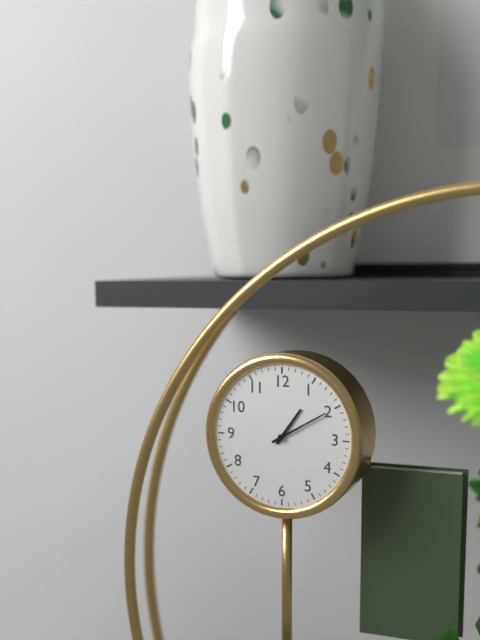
1:10
